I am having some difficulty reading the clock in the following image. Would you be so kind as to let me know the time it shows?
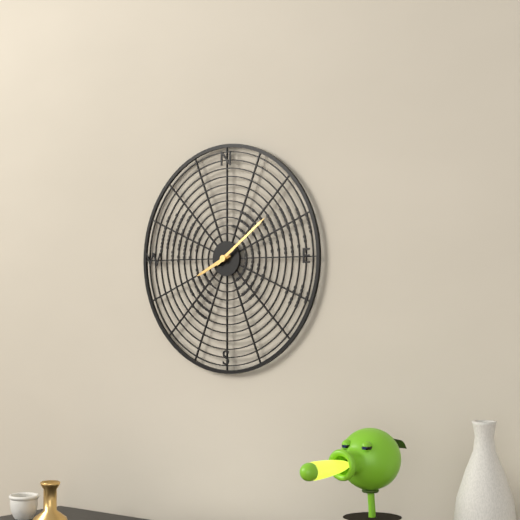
8:09
